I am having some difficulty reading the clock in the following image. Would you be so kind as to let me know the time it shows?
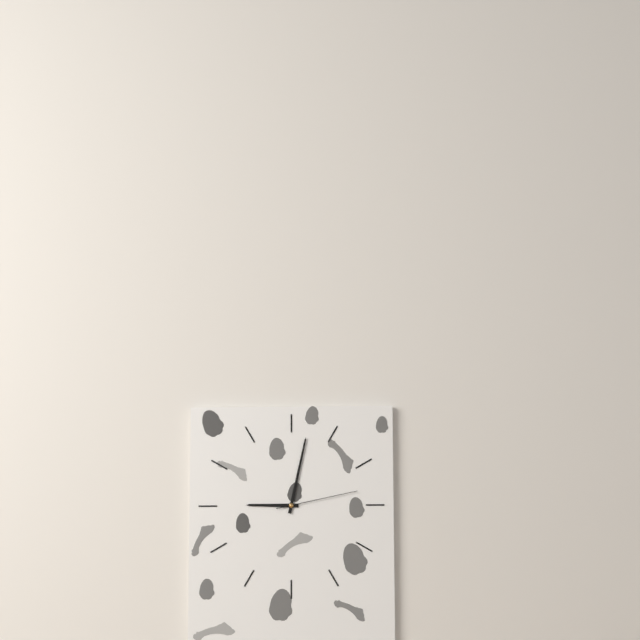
9:02:13
